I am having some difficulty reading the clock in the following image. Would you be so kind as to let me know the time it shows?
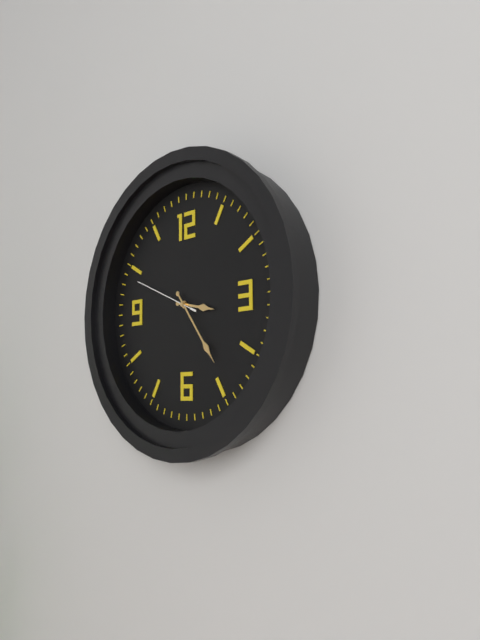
3:24:49
